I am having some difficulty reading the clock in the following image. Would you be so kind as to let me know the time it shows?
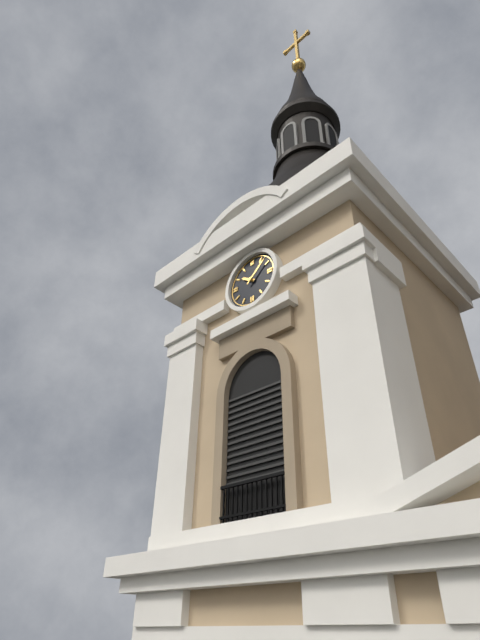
10:08
